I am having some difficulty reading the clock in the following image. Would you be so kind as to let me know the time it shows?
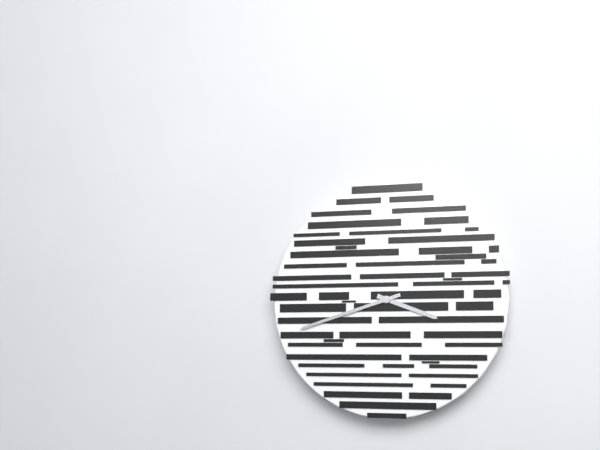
3:42
